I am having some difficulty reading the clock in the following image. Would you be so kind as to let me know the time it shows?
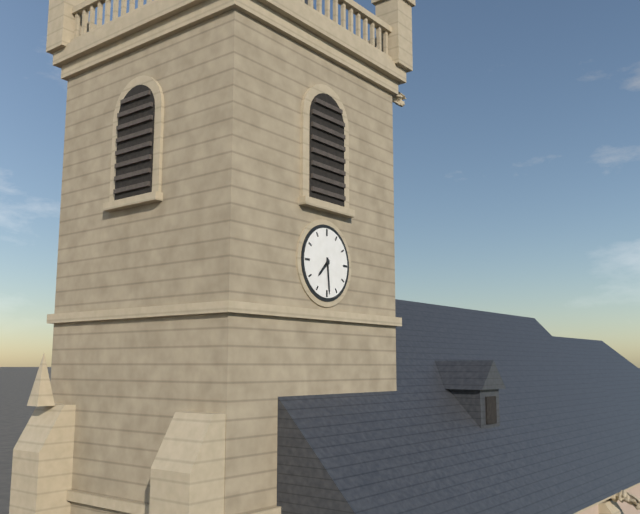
7:29
